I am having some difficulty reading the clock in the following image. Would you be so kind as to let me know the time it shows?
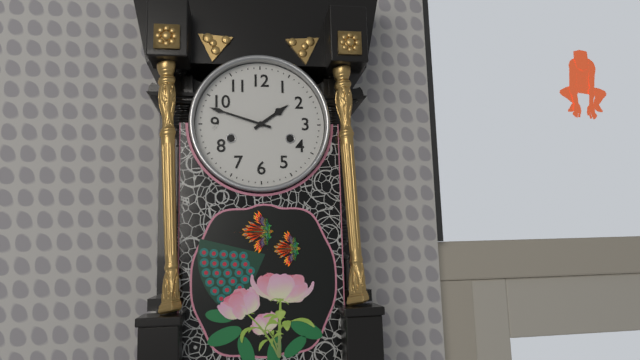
1:48
